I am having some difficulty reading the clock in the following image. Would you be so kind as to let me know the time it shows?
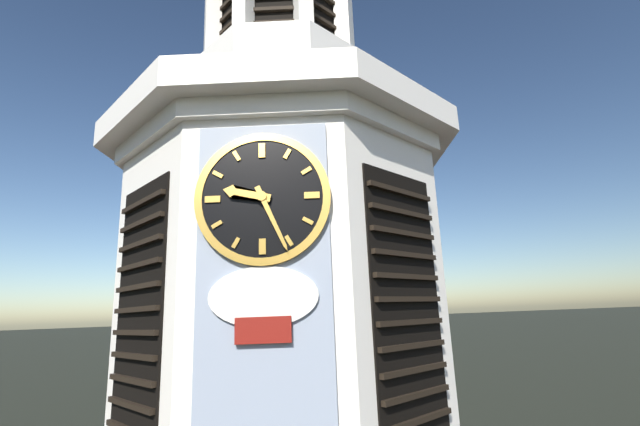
9:26
